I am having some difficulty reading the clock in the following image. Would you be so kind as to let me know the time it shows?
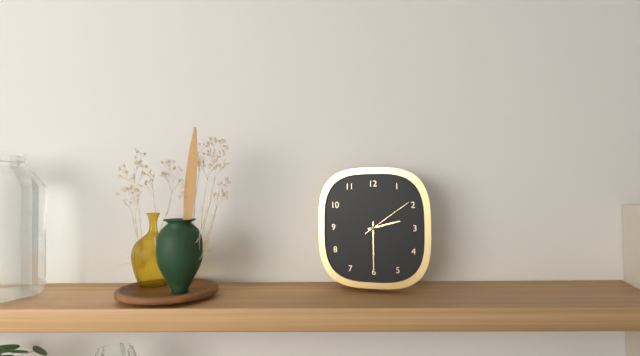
2:30:09
